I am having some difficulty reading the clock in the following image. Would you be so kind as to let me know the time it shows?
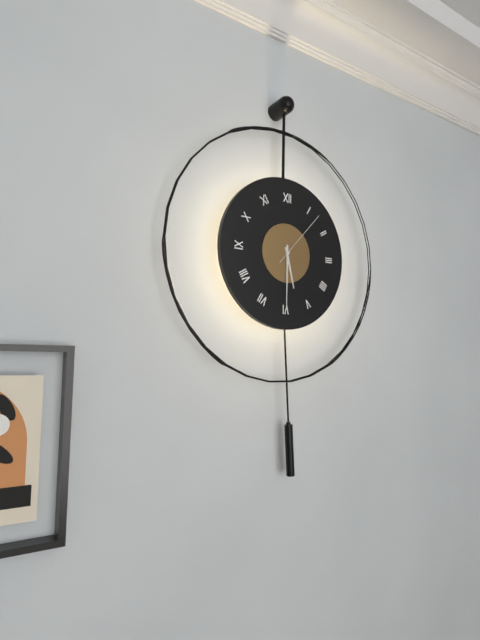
5:30:07
